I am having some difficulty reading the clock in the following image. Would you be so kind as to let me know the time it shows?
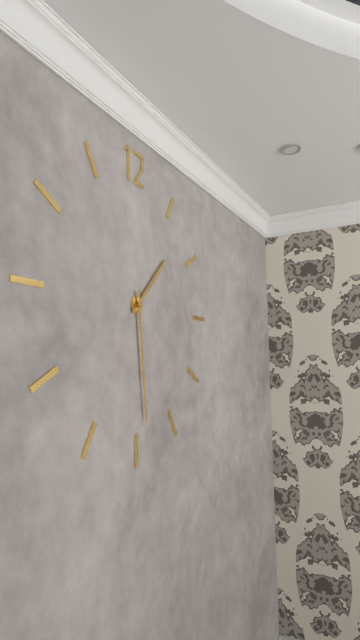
1:29
